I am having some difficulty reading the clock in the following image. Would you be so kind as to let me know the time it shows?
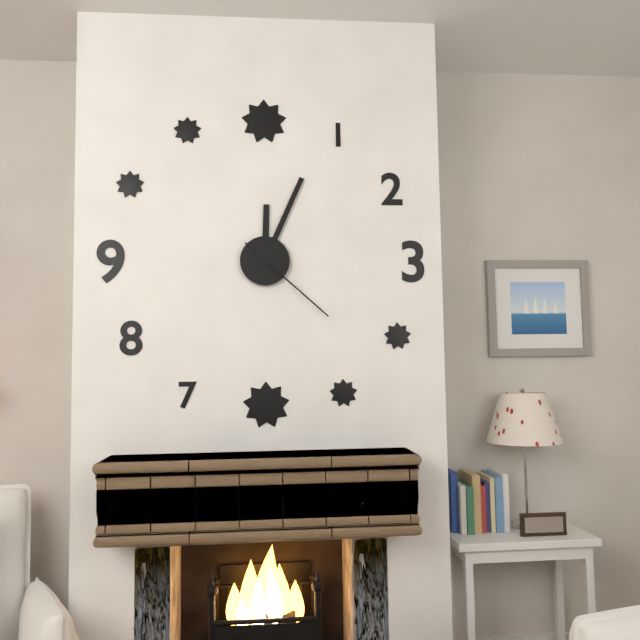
12:04:22
